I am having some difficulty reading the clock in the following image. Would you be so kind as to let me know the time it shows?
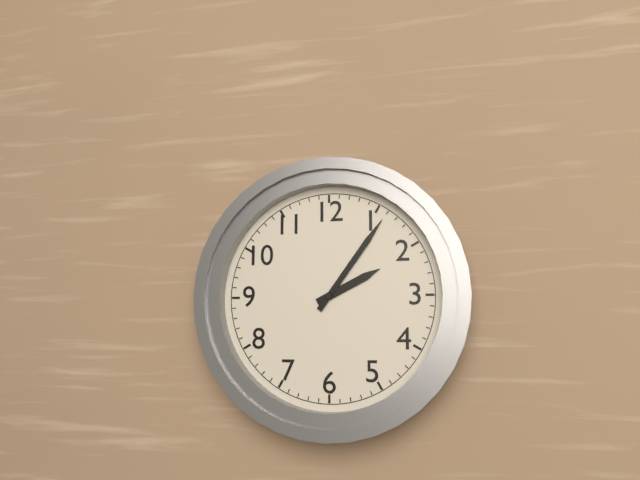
2:06
